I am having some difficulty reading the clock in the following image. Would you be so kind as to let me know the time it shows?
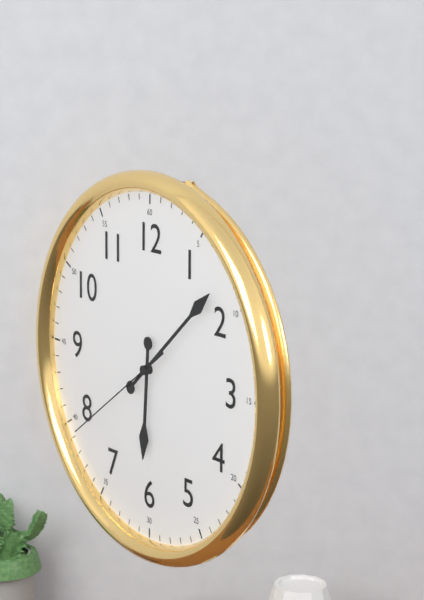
6:08:39
